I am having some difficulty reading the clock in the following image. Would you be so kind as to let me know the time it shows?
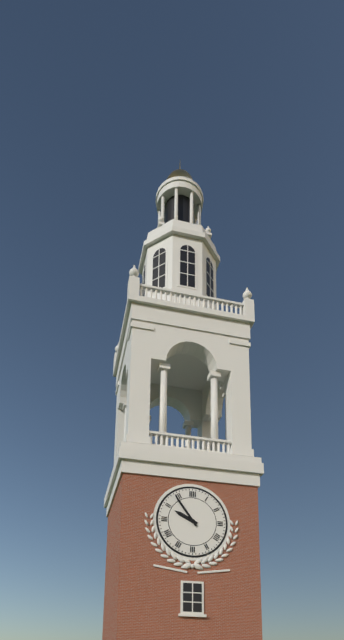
9:54
